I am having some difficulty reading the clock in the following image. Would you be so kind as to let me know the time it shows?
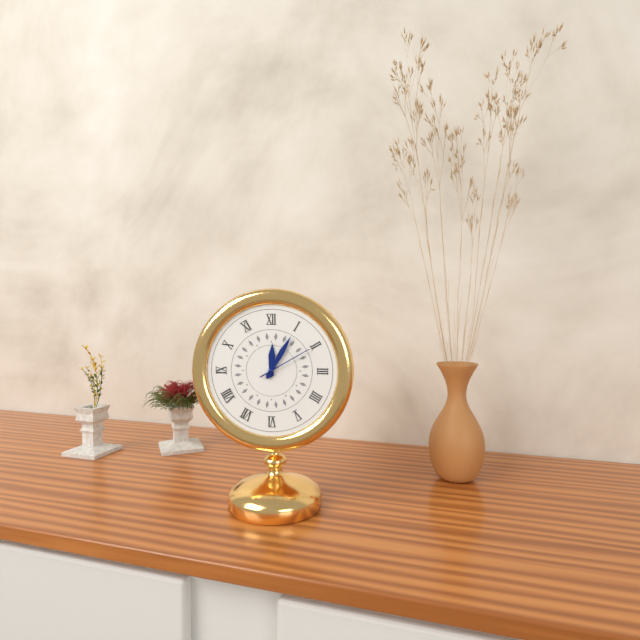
12:05:10
